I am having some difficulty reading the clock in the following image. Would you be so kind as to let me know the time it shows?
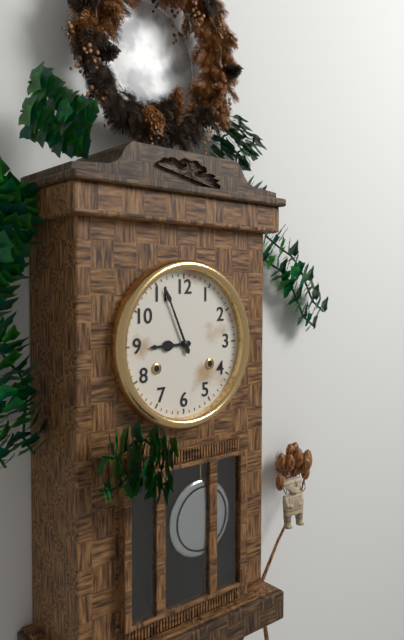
8:56
